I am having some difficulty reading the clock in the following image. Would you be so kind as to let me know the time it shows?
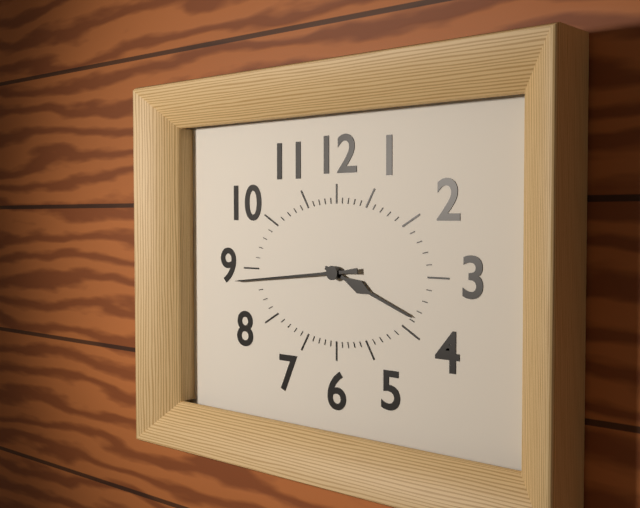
3:44
